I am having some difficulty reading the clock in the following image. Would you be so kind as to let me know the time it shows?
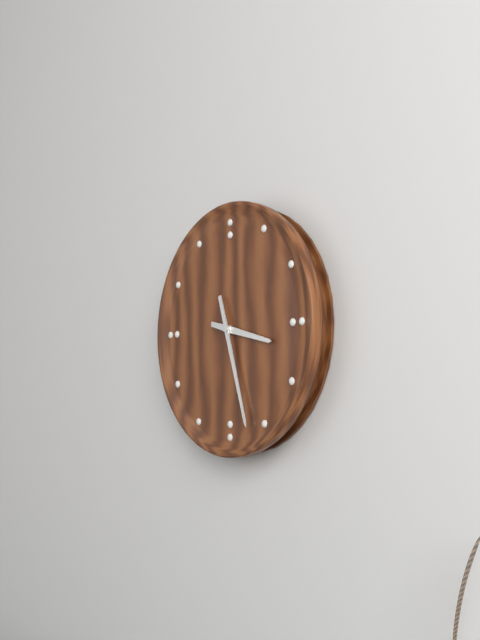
3:27
